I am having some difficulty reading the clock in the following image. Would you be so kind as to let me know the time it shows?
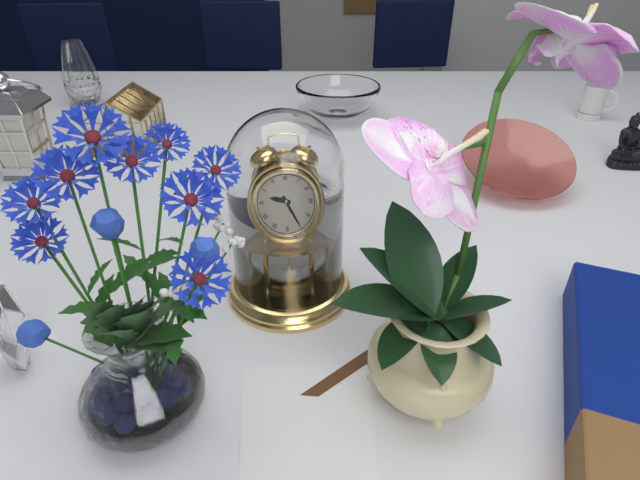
9:25
